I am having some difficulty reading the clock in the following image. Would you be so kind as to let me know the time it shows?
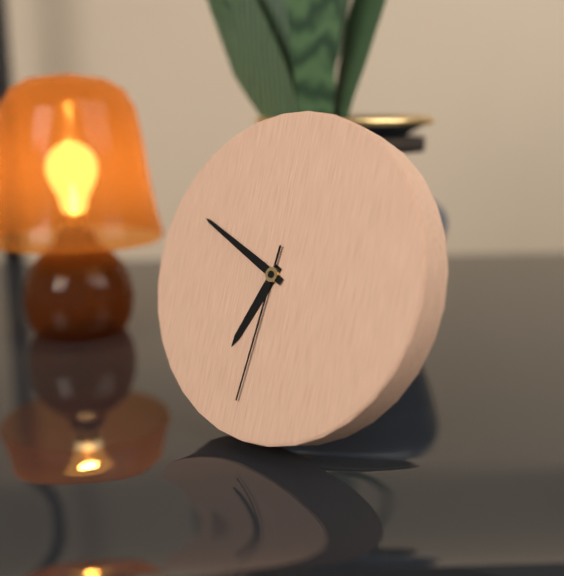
6:49:31
